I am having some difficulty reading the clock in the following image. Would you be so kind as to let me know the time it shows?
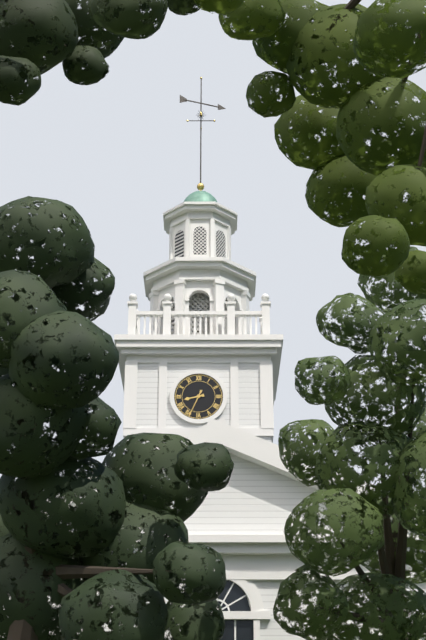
8:34
